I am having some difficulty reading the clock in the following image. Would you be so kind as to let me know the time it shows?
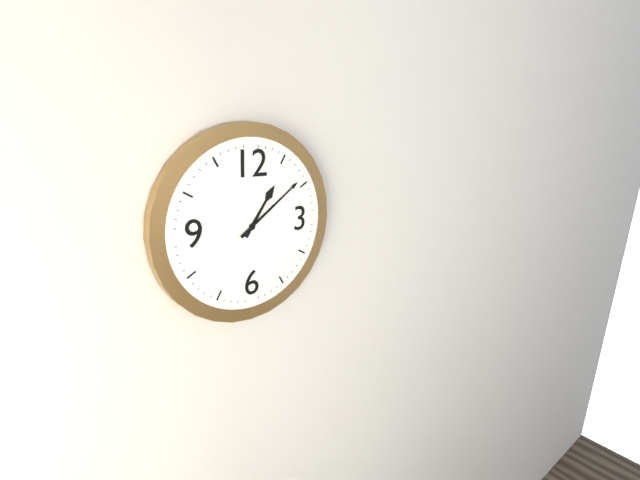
1:09
